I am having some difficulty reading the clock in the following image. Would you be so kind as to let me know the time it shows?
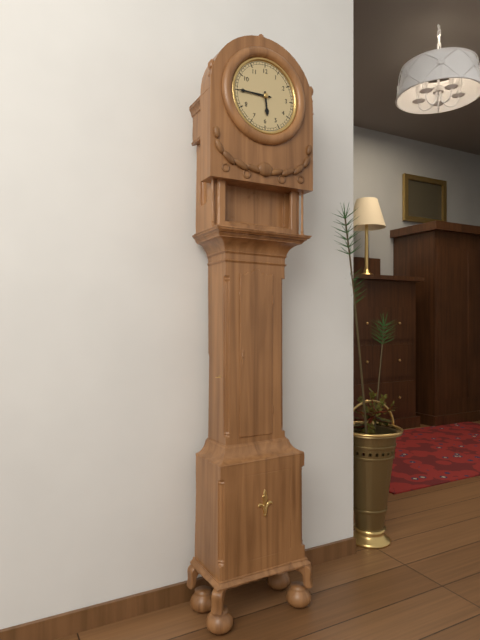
5:45
